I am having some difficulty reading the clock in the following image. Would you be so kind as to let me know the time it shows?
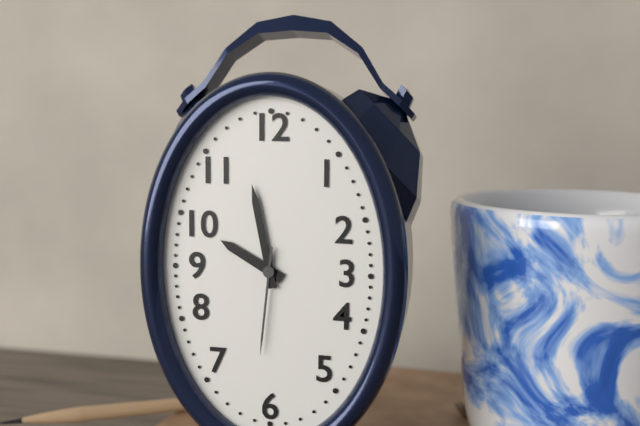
9:58:31
